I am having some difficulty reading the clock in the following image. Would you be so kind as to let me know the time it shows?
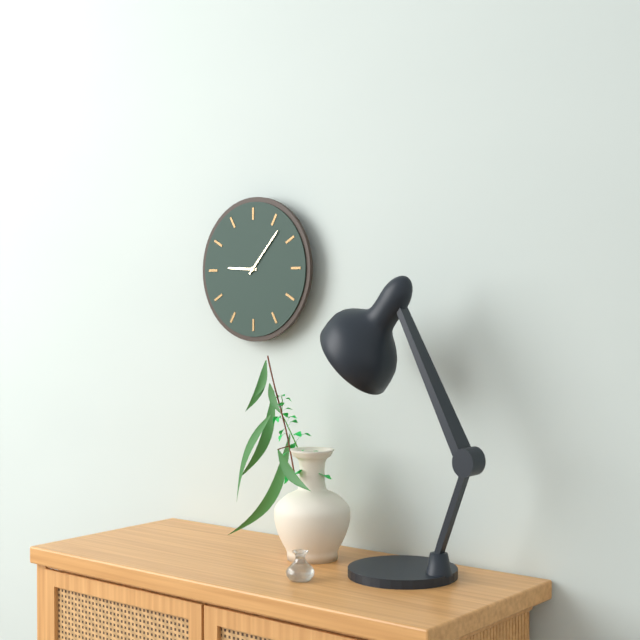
9:07
